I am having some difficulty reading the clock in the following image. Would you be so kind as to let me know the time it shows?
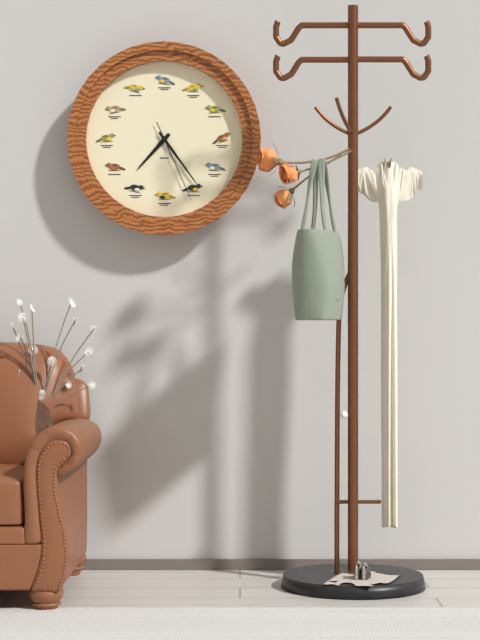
7:24:26
